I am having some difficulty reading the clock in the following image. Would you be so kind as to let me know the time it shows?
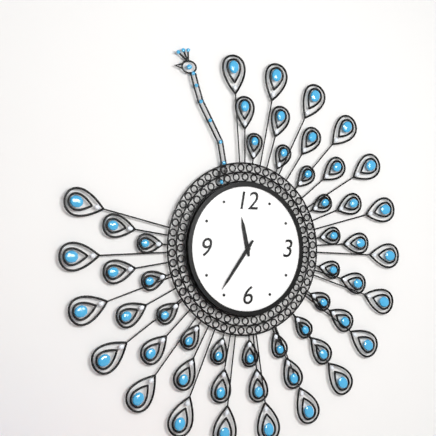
11:36
